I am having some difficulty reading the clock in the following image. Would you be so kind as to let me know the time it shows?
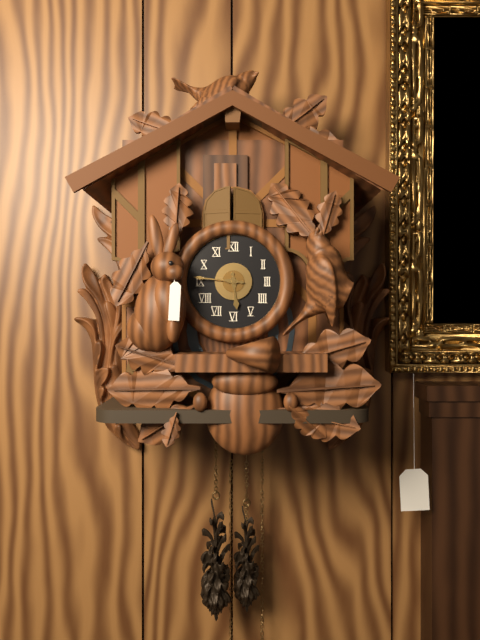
5:46
